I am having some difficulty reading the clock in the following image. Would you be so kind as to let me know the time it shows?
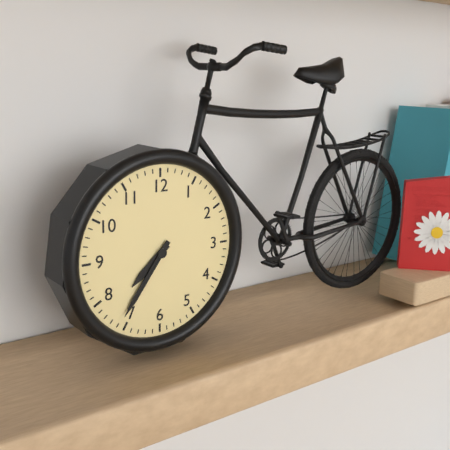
7:36
